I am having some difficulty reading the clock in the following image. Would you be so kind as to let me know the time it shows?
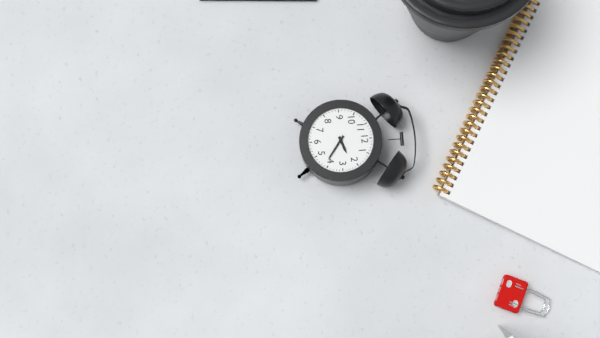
2:21
